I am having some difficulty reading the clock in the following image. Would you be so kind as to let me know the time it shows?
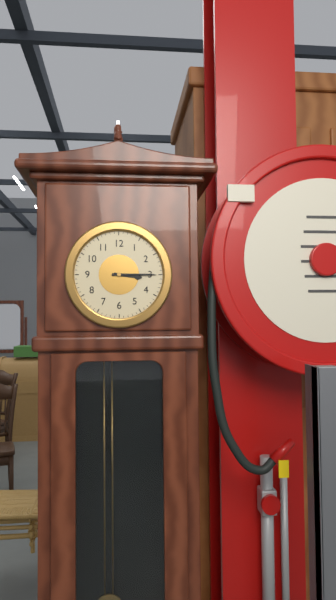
3:15
